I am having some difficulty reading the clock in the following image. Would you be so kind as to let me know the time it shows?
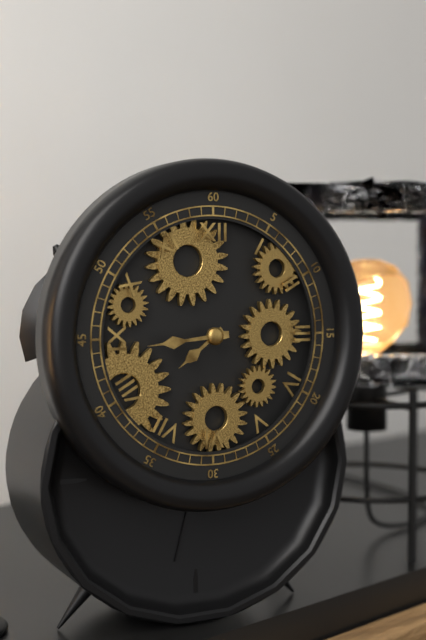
7:44
